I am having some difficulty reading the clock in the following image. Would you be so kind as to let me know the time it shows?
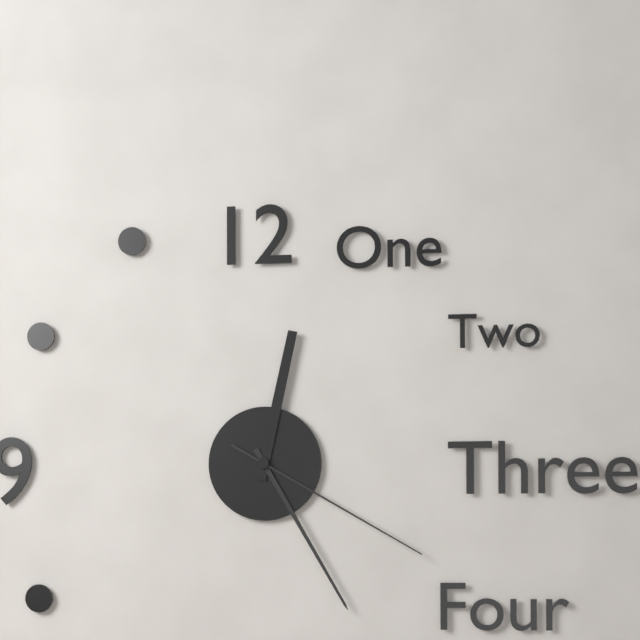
12:25:20
